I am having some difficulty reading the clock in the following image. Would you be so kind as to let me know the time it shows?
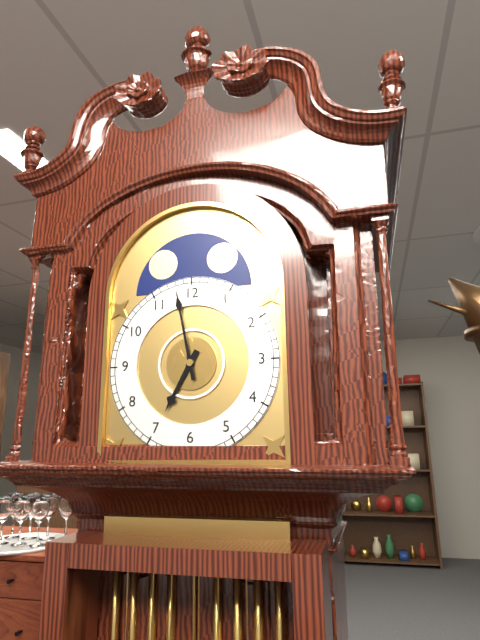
6:58
